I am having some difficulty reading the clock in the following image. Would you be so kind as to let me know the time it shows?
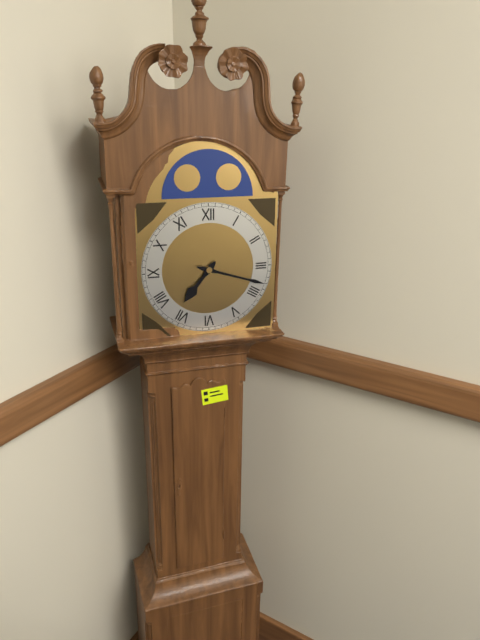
7:18
